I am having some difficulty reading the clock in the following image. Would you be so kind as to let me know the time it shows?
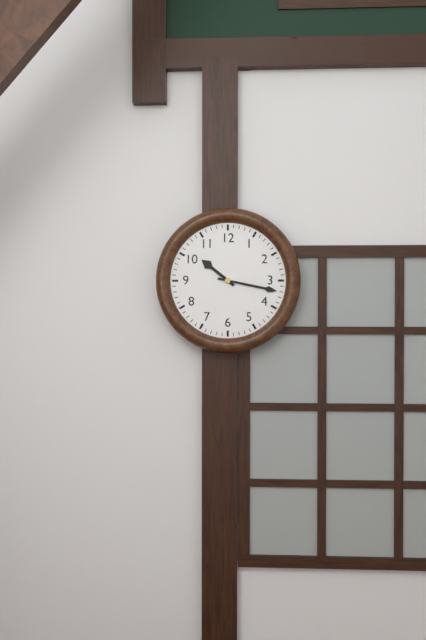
10:17
